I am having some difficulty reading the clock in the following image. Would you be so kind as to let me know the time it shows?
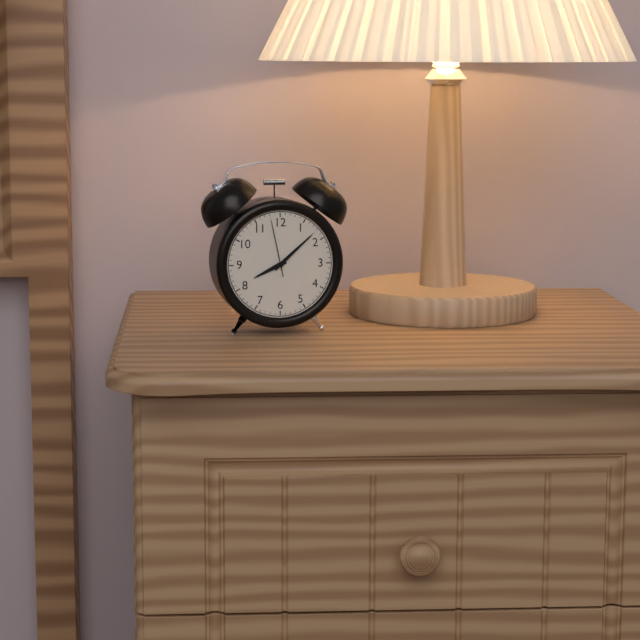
8:08:58
